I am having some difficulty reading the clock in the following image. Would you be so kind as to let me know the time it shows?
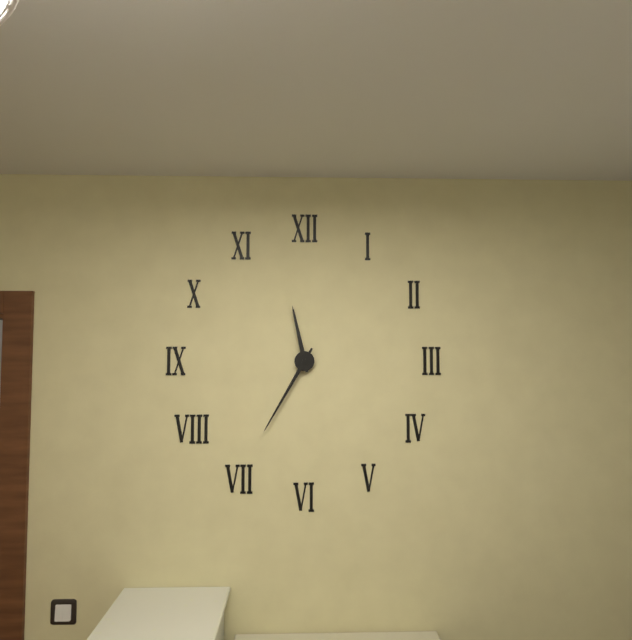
11:35
